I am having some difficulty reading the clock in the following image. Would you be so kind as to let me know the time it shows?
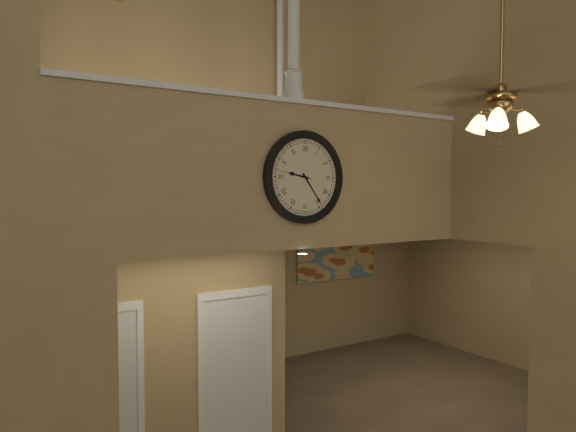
9:24
